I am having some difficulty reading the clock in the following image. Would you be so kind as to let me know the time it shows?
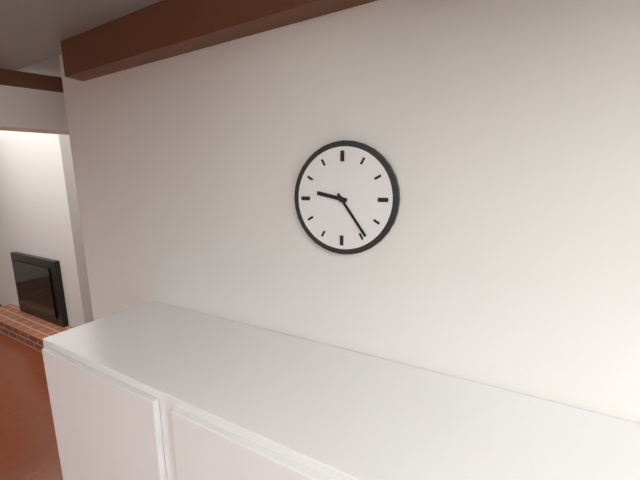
9:24
